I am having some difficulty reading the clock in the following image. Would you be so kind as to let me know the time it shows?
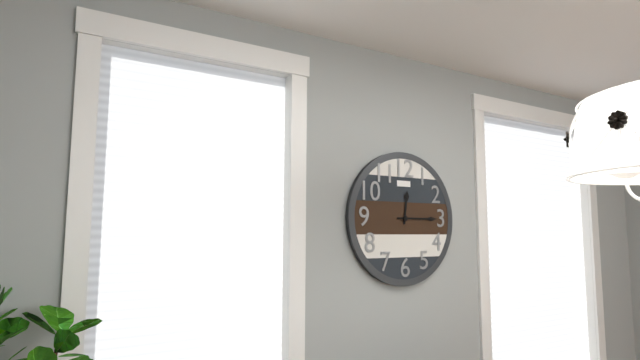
12:15
